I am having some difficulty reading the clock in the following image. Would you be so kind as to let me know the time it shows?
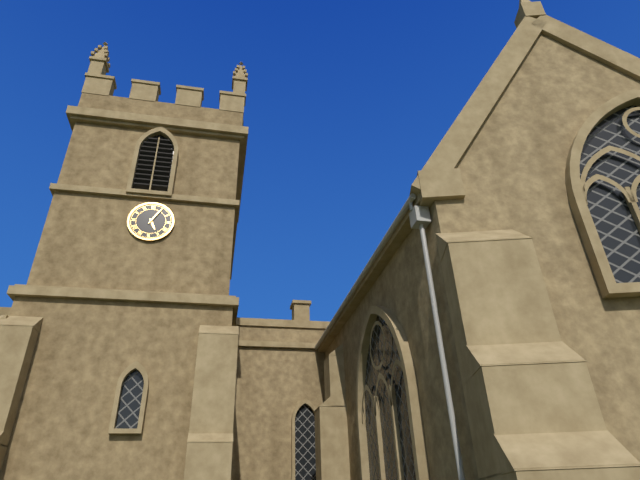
5:05
